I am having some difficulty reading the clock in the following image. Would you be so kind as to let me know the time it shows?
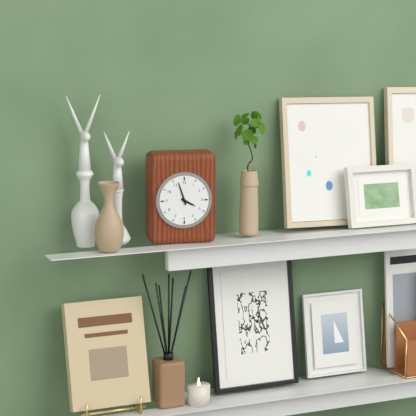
3:57
